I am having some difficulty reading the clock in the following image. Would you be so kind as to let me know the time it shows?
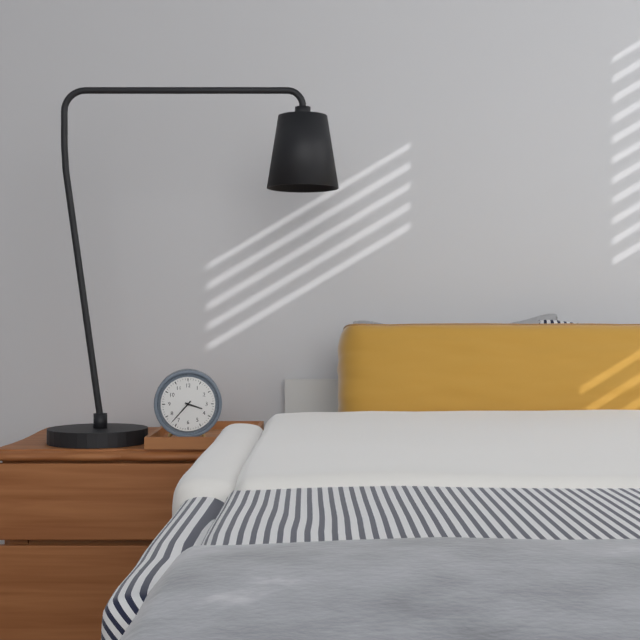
3:37
